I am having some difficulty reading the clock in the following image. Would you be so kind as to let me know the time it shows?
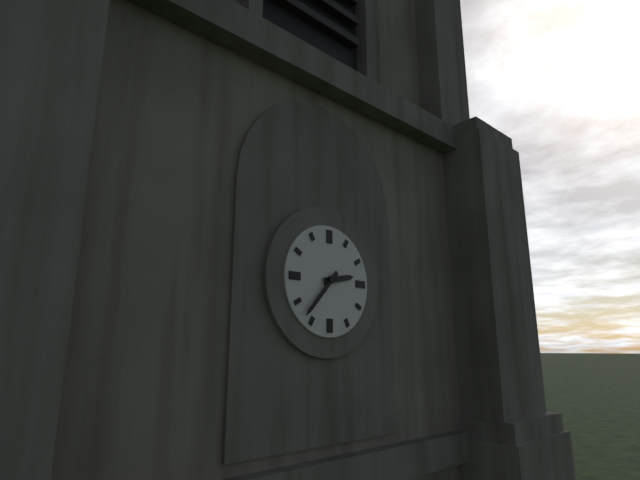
2:37
